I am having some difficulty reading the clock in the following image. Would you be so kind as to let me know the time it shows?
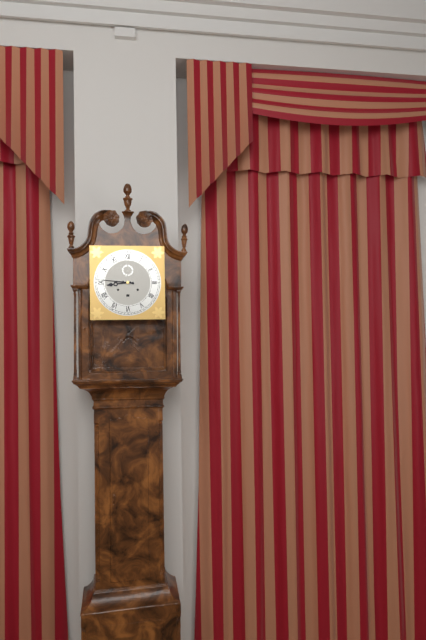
8:46
